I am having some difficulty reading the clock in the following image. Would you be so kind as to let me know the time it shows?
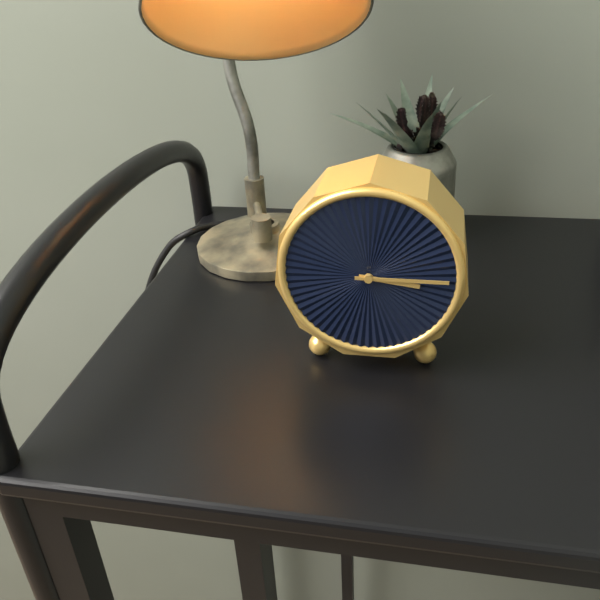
3:15
